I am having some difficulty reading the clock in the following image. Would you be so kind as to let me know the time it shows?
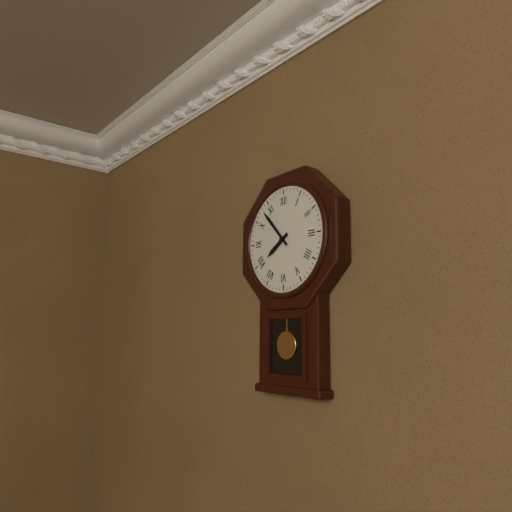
7:53
